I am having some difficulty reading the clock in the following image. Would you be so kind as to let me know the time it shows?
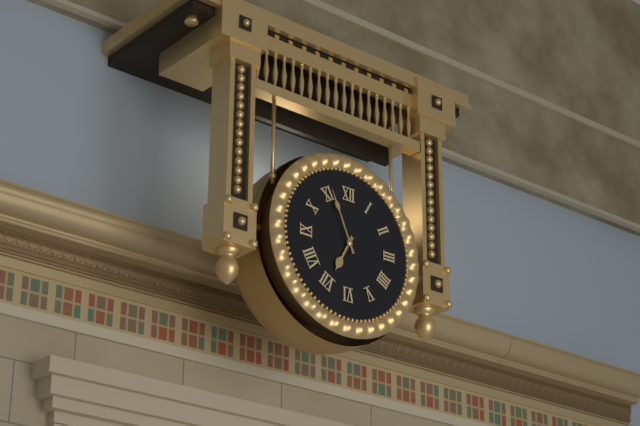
6:56
